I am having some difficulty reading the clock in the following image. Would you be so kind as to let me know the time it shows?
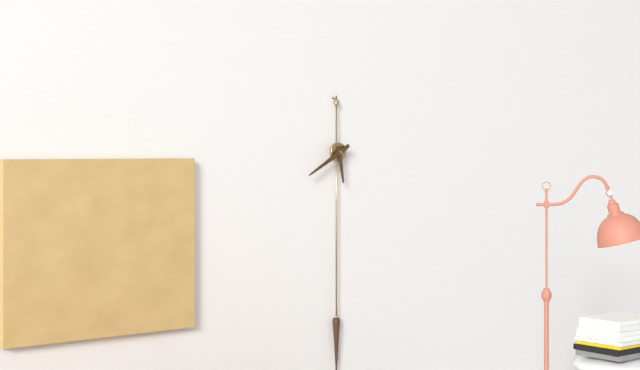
5:40
